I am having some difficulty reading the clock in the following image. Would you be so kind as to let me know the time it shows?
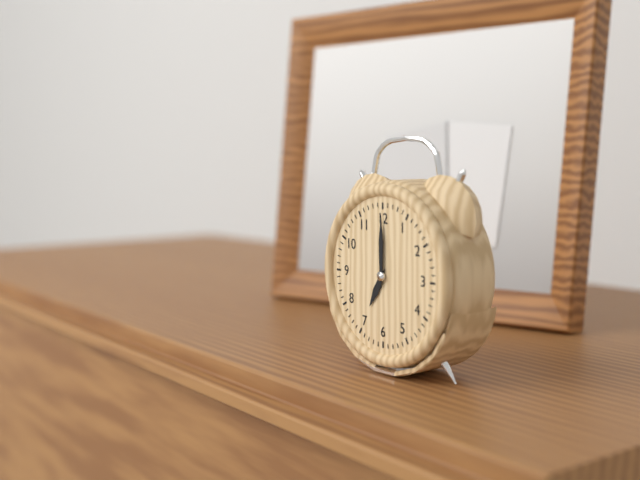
7:00
